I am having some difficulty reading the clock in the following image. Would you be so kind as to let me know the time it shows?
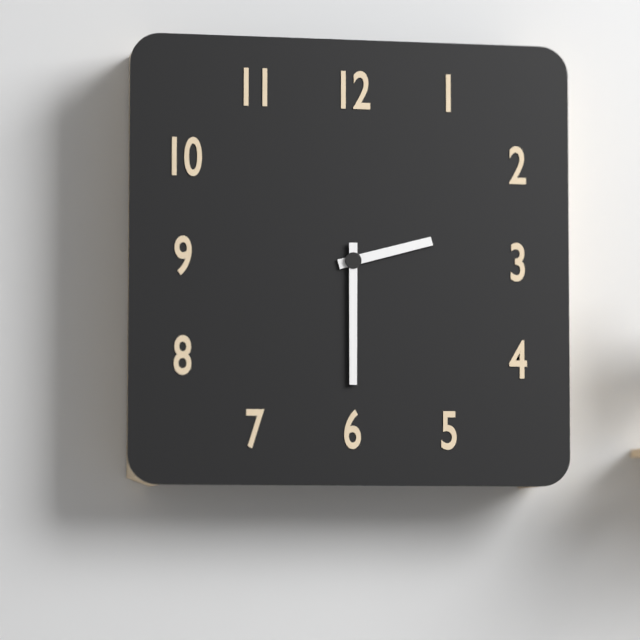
2:30
